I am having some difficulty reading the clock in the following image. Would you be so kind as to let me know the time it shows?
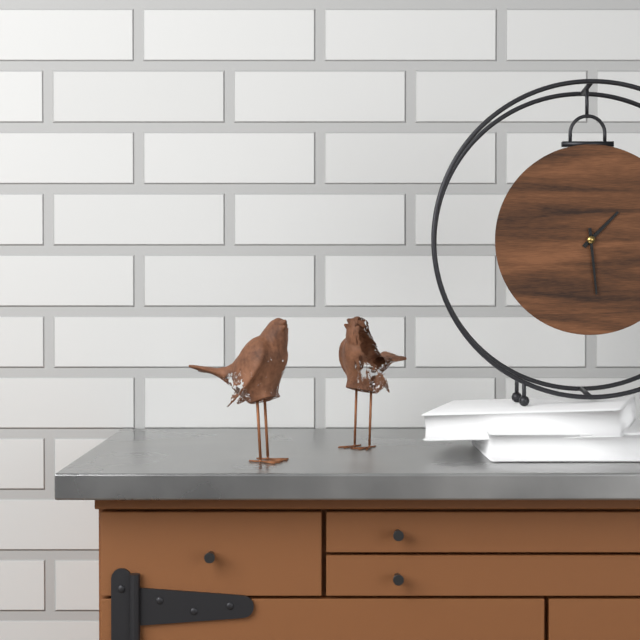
1:29
